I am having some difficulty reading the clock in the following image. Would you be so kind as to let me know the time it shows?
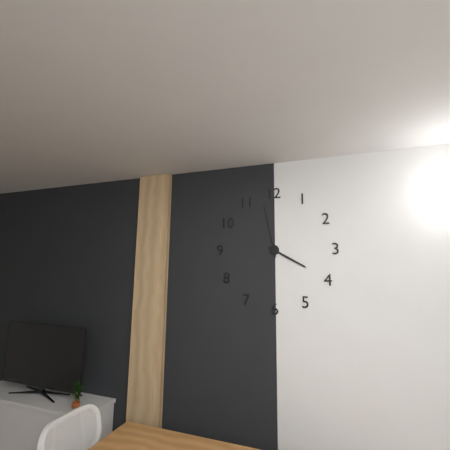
3:58
